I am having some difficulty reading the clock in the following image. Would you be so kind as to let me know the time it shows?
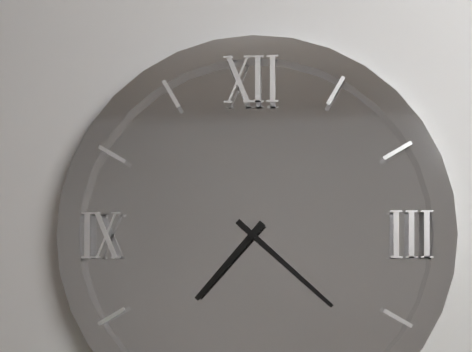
7:22
